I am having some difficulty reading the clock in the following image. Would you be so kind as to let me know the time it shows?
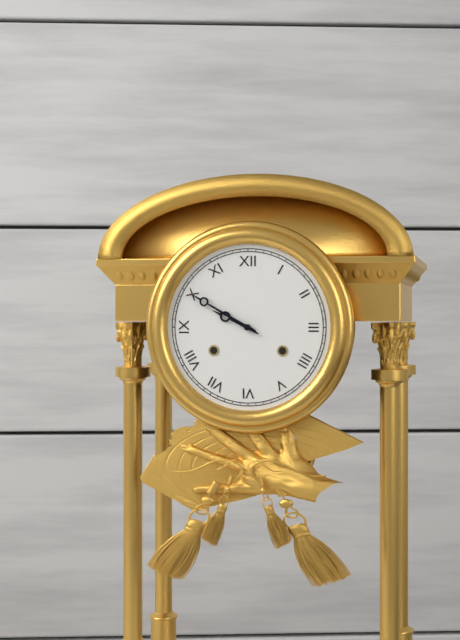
9:50
